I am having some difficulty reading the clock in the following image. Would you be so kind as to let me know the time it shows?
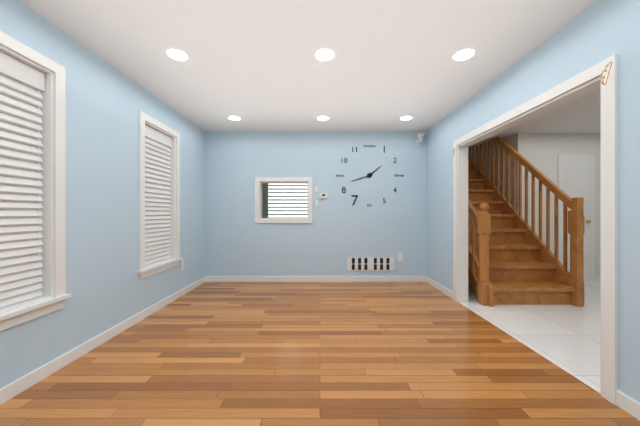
1:42
